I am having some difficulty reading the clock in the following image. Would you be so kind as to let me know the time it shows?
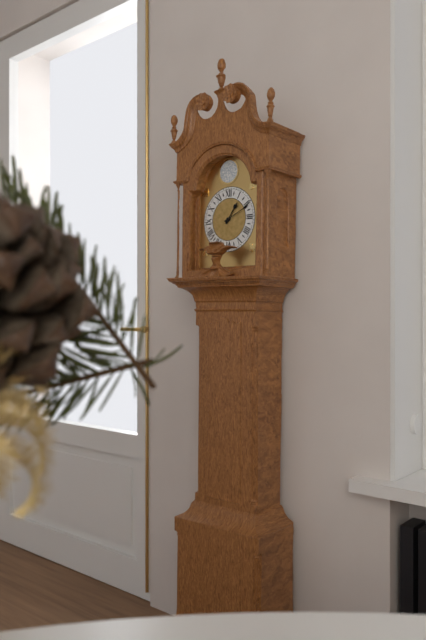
1:11
